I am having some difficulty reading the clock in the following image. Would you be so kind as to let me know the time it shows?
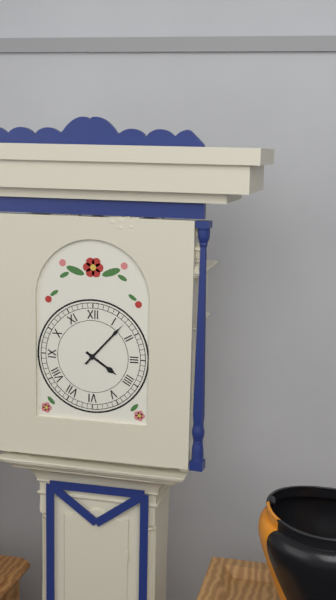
4:07
